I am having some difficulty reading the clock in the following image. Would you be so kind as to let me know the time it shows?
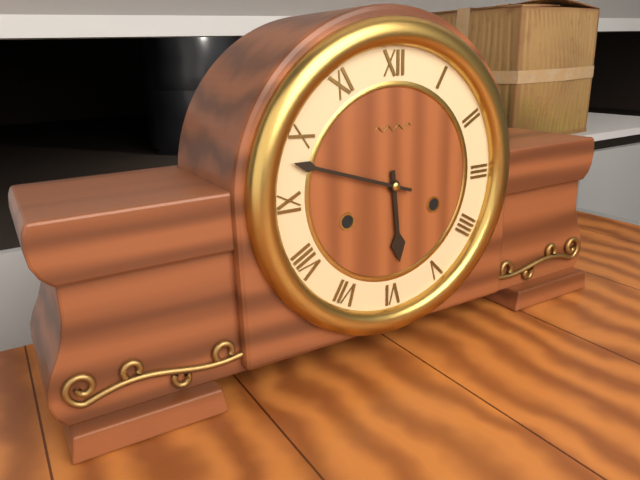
5:48
